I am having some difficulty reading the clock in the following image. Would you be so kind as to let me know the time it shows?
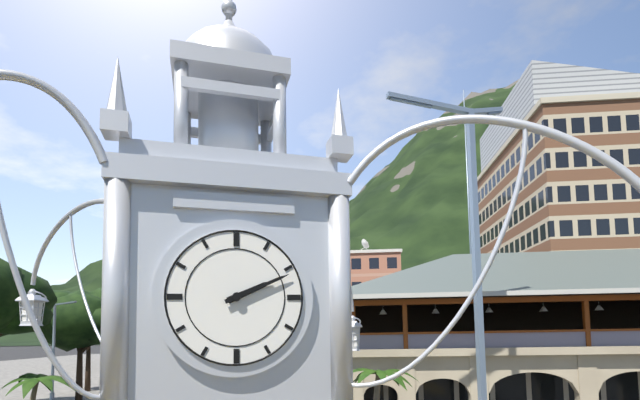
2:11
